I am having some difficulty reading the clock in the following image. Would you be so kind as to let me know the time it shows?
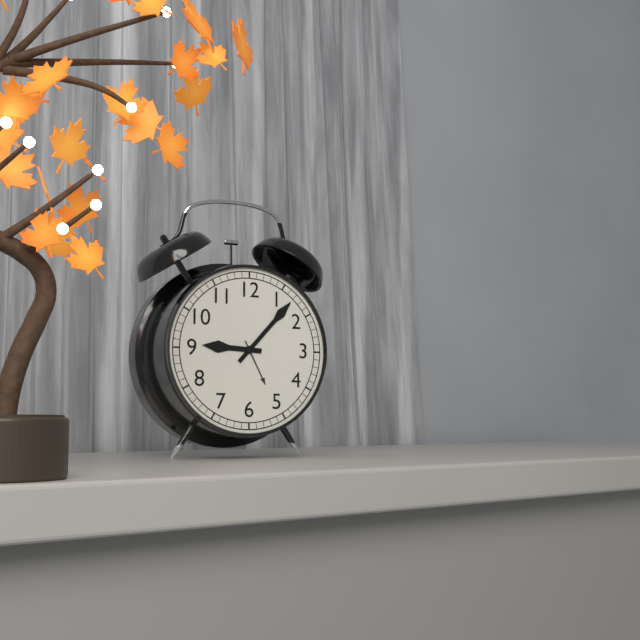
9:07
